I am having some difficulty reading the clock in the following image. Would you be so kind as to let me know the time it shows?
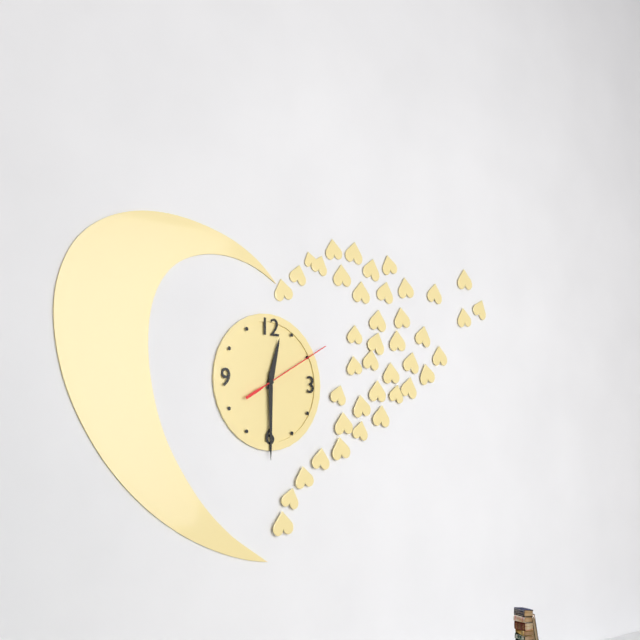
12:30:10
